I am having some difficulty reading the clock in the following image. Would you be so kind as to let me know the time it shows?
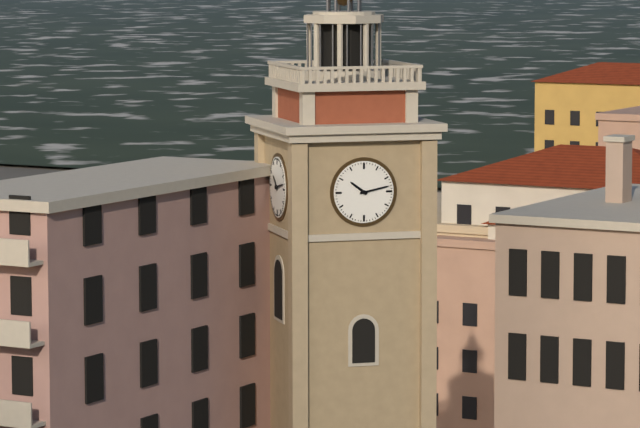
10:13
